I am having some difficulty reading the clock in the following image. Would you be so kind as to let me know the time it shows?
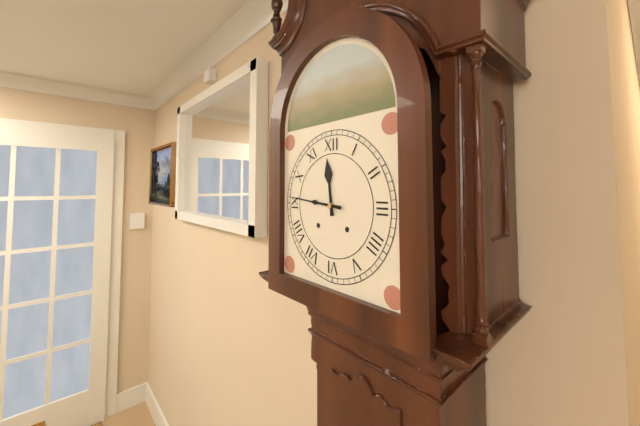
11:46
